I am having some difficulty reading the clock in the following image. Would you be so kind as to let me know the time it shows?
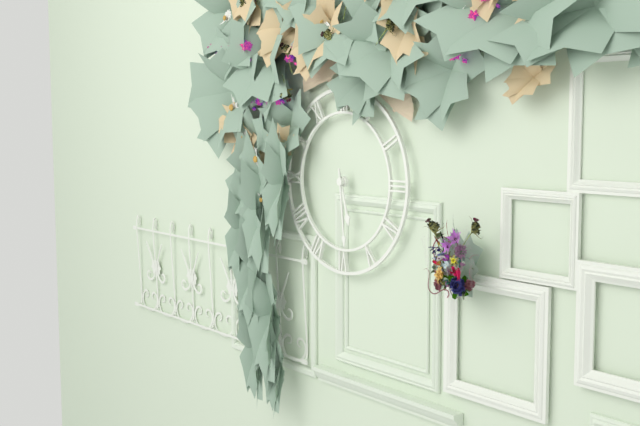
5:29
